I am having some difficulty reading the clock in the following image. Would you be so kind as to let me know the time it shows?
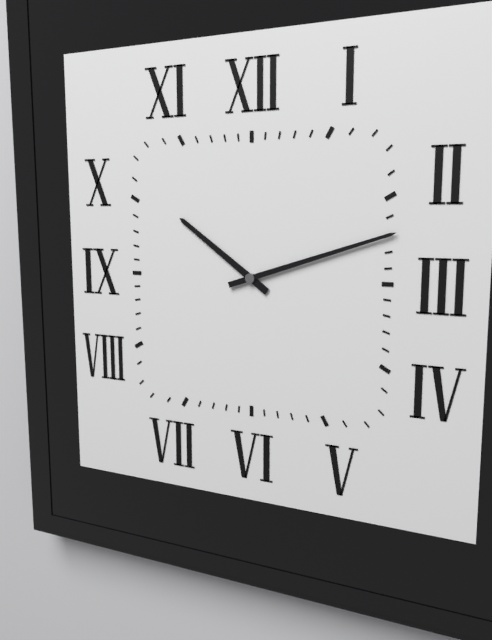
10:12
